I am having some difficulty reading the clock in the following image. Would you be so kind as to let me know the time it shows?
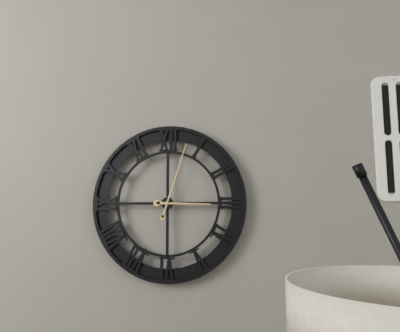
3:03
